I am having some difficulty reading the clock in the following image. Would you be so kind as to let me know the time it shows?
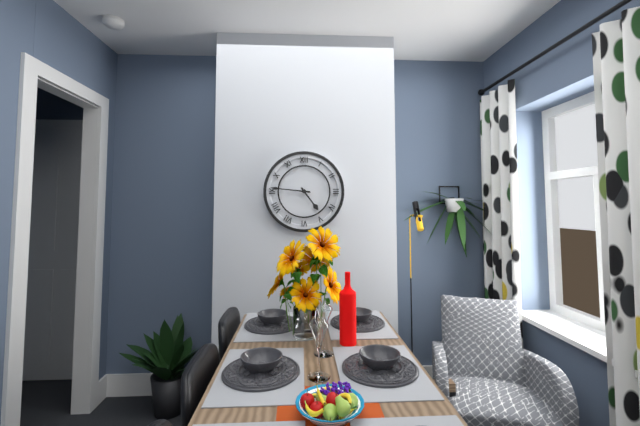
4:46
